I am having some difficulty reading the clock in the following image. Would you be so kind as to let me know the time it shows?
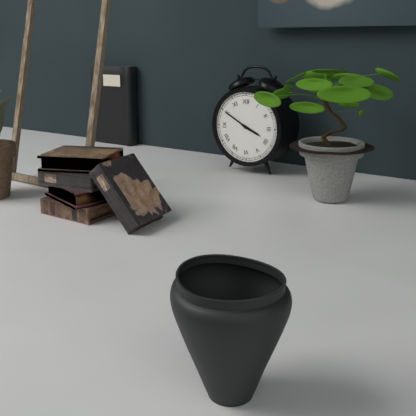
3:50
